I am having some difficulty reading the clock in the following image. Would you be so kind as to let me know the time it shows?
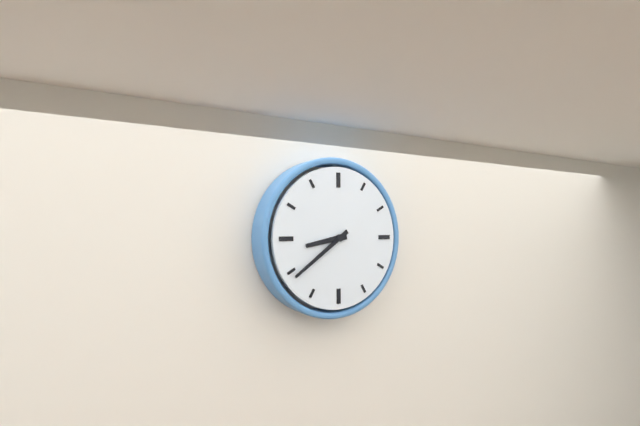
8:39
